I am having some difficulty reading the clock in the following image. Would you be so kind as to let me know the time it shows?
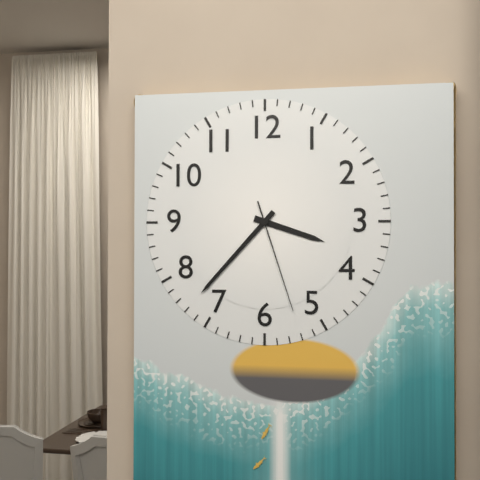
3:37:27
